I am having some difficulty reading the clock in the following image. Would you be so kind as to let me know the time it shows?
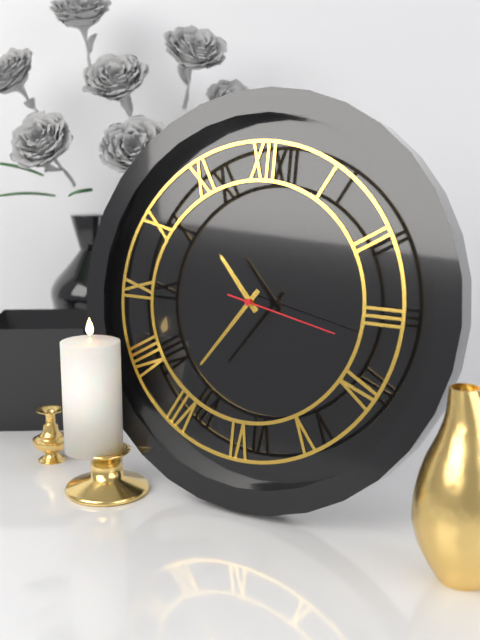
10:36:17
